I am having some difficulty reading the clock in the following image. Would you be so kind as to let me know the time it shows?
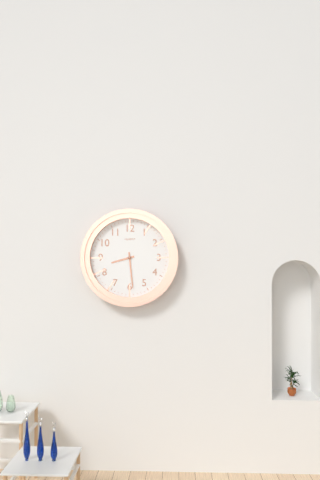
8:29
